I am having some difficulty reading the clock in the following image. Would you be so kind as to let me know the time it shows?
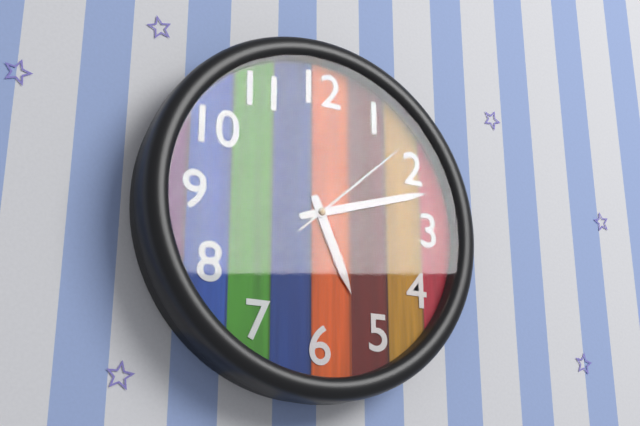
5:12:08
